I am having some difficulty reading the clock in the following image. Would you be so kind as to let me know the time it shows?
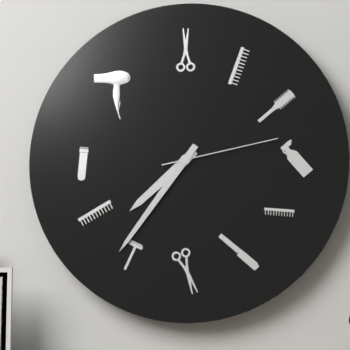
7:36:13
